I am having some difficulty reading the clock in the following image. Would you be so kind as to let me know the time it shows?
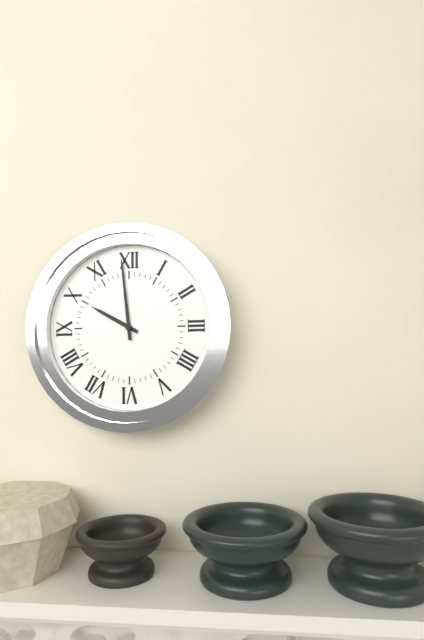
9:59
